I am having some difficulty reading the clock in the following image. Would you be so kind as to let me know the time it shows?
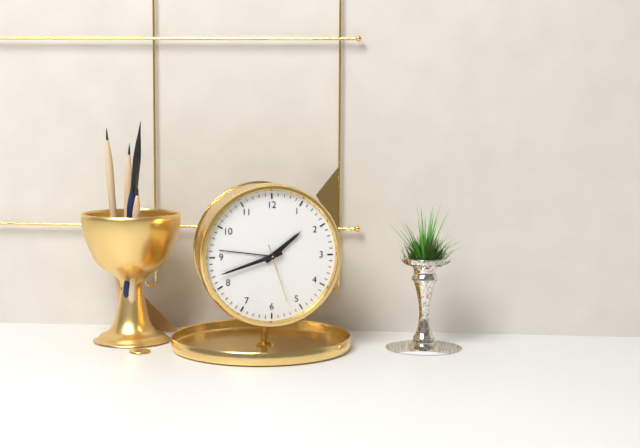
1:42:27
